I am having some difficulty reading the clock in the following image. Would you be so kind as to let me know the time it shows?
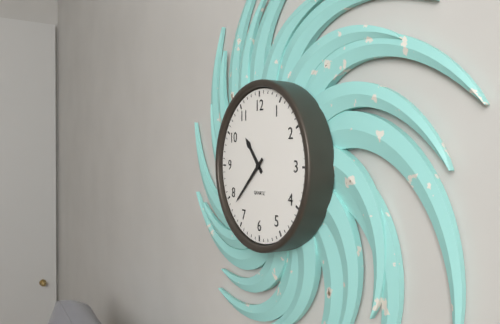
10:38
